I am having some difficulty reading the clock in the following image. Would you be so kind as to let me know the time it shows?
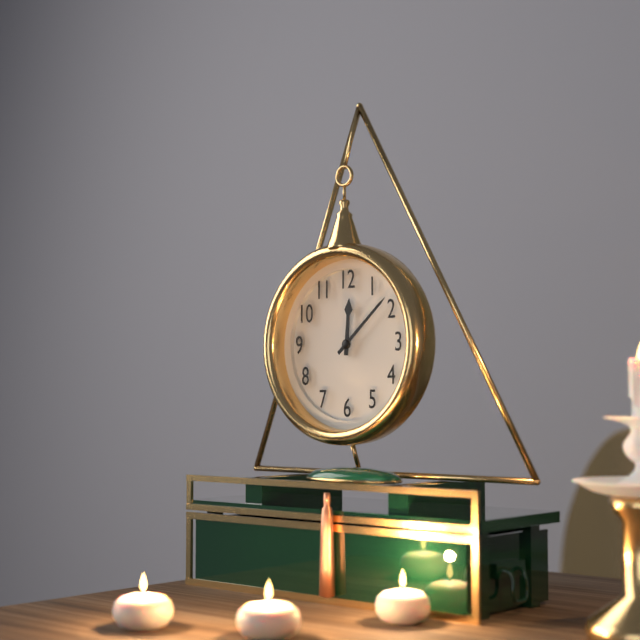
12:08
